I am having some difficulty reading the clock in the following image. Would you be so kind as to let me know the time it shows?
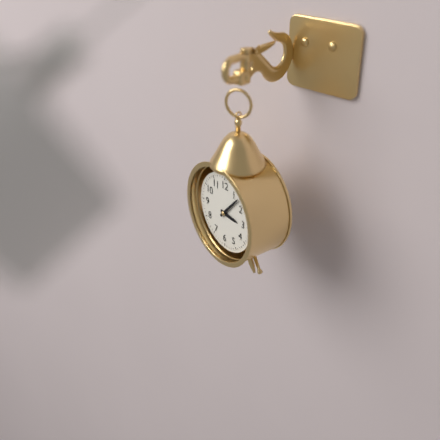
3:07
